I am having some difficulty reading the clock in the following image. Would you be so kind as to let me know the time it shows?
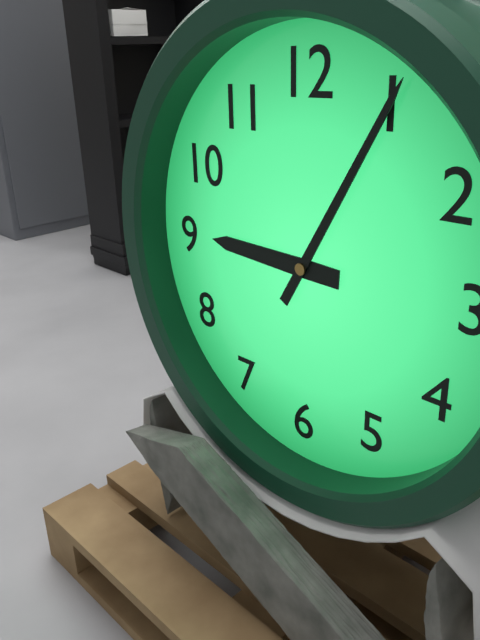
9:05
